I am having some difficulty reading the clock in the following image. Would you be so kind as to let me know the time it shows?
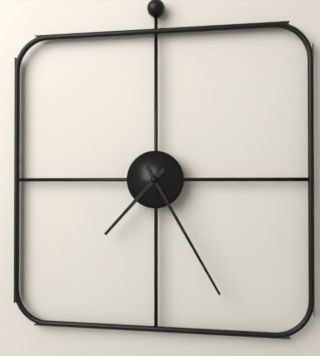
7:25
